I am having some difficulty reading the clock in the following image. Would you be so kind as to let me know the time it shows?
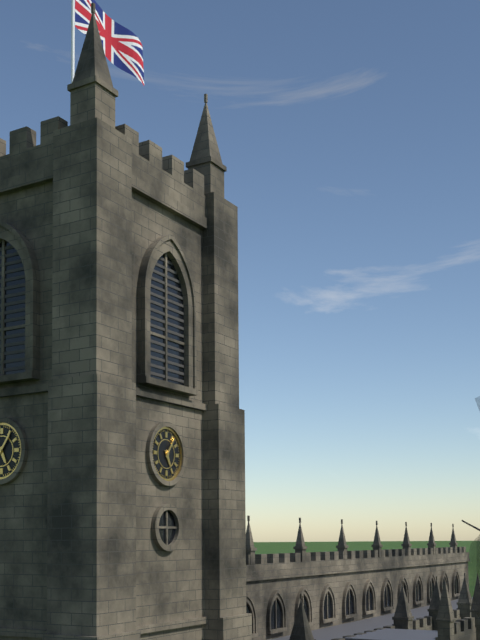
5:06
